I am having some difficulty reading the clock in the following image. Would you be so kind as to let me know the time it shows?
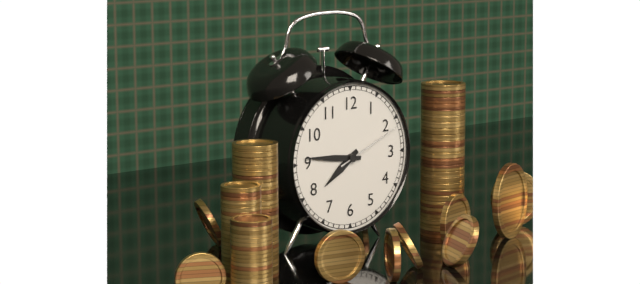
7:46:11
